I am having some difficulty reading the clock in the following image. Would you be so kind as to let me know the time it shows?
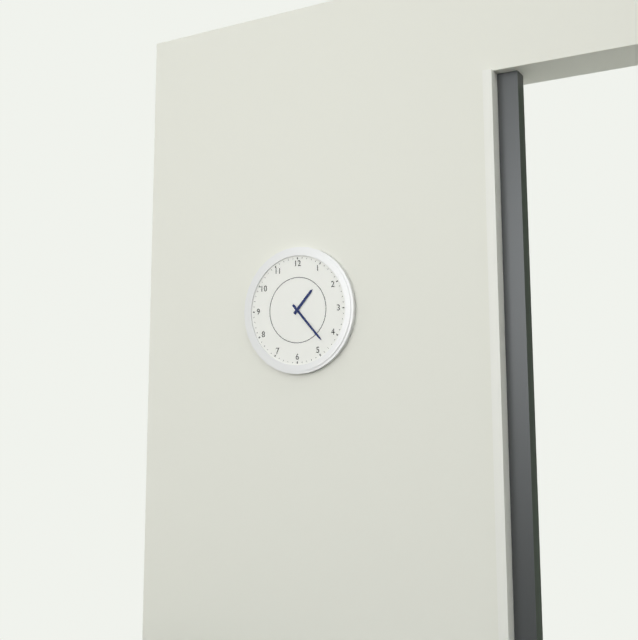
1:23
